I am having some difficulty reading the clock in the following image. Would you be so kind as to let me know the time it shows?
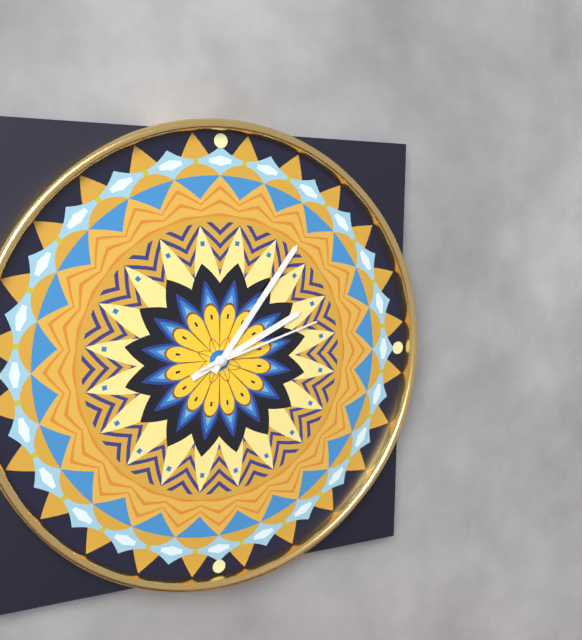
2:06:12
